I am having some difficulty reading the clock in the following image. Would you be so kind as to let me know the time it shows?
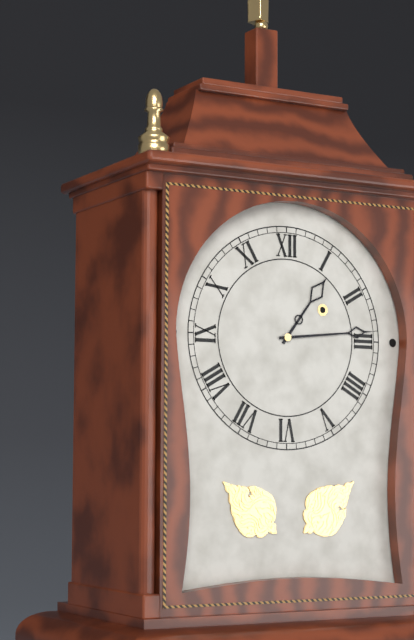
1:14
